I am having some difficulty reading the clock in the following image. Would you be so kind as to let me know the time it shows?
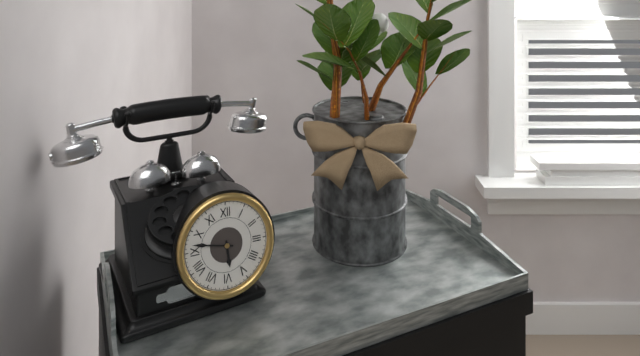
5:47
